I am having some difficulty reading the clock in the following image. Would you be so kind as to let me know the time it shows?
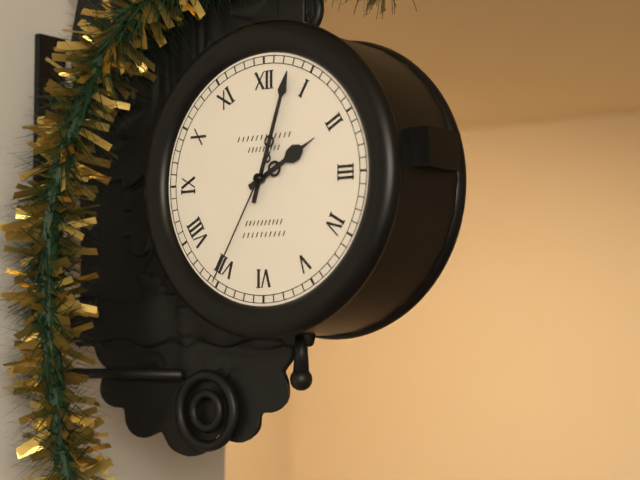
2:03:35
